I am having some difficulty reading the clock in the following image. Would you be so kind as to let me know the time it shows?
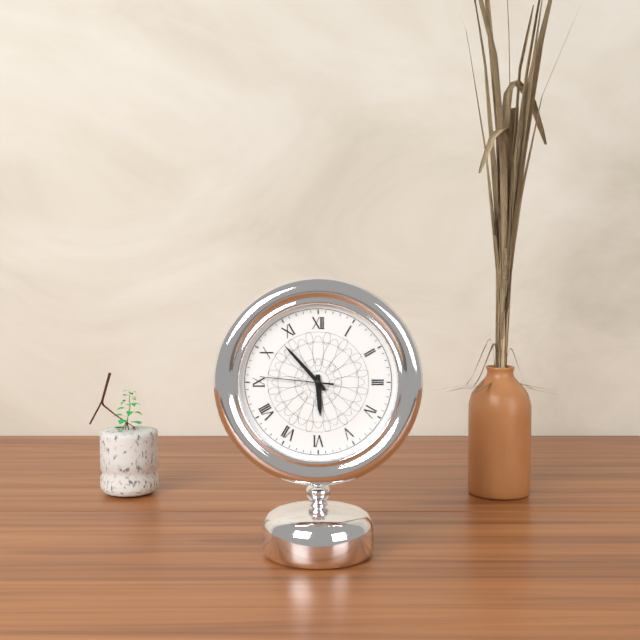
5:53:46
